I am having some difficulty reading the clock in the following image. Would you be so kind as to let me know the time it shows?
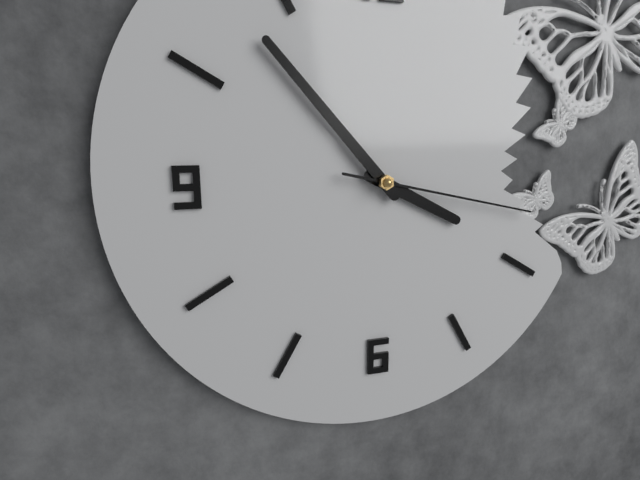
3:53:17
